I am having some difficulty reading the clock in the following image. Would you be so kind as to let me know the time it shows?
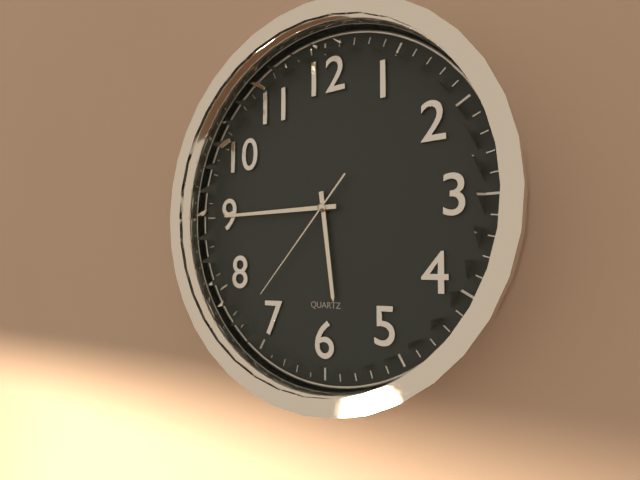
5:45:37
